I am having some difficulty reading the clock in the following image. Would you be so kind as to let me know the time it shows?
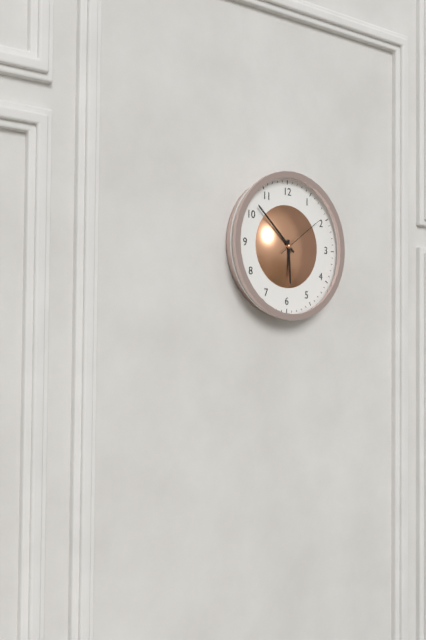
5:52:09
